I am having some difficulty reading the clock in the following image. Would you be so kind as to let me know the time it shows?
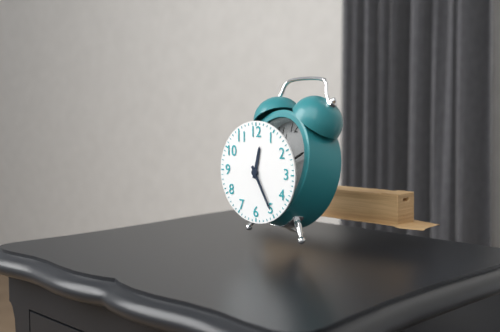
12:25
